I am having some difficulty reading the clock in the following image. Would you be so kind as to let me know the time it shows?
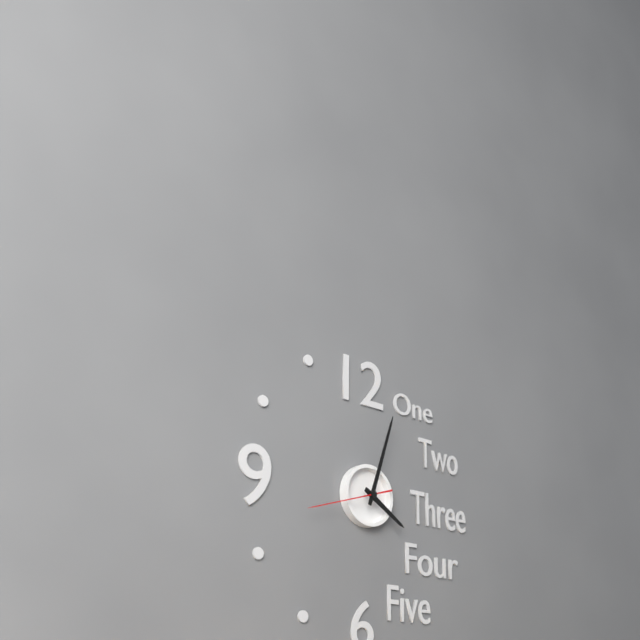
4:03:42
